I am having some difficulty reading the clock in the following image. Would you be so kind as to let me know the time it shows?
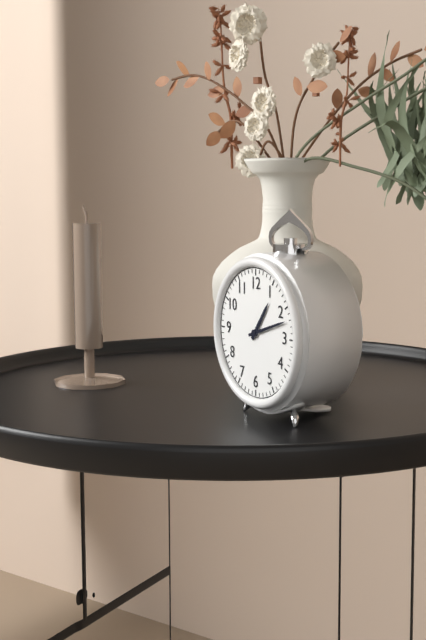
1:12
